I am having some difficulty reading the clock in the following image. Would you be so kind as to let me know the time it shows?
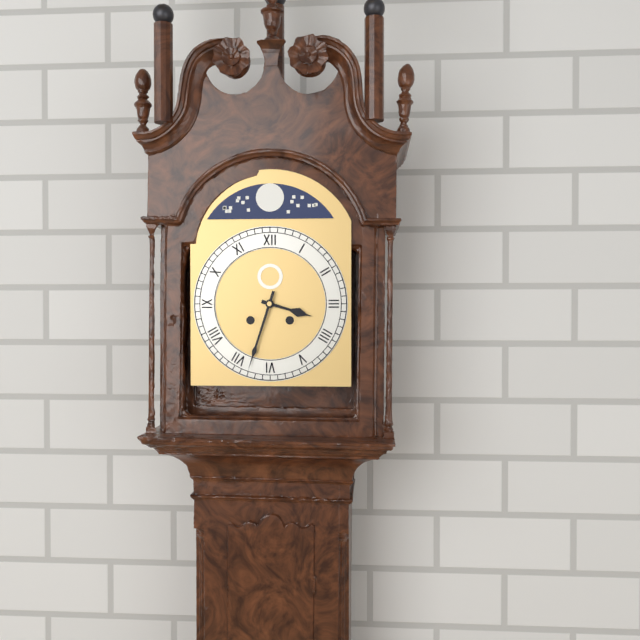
3:33
